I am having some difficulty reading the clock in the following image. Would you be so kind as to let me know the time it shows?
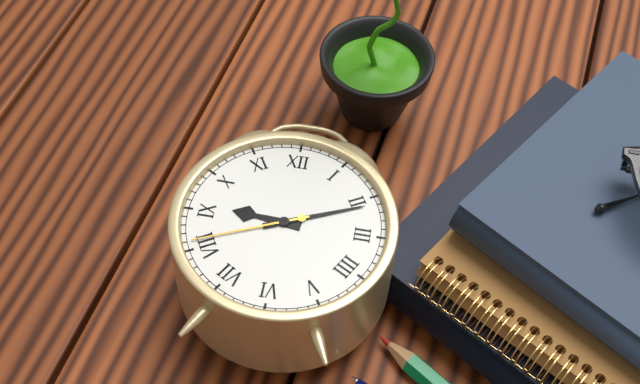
9:11:41
